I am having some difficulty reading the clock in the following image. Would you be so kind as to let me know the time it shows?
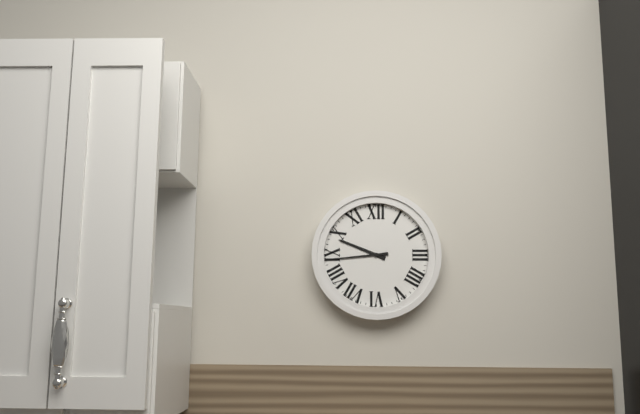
9:44
